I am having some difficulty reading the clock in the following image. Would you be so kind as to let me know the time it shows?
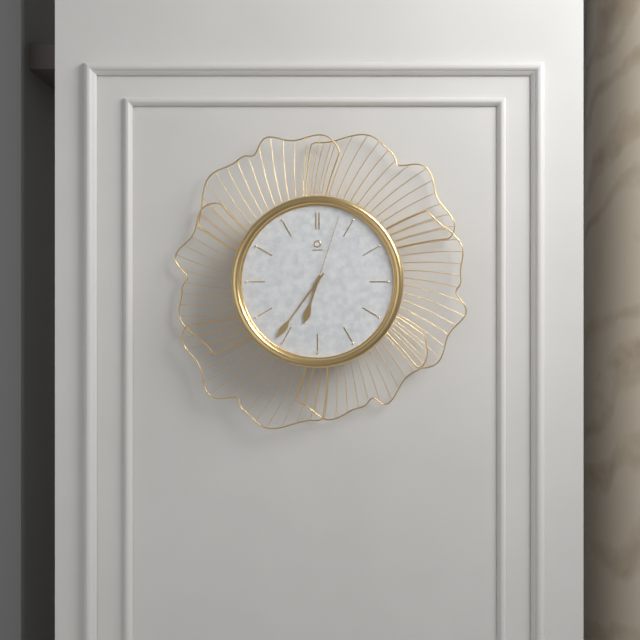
6:36:03
